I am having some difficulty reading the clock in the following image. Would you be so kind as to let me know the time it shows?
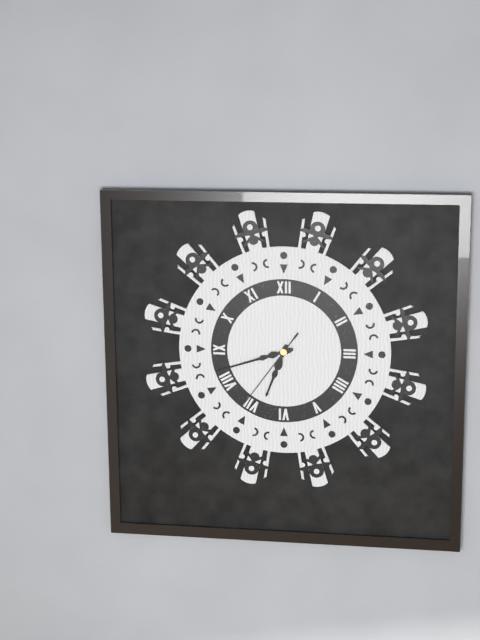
6:42:36
